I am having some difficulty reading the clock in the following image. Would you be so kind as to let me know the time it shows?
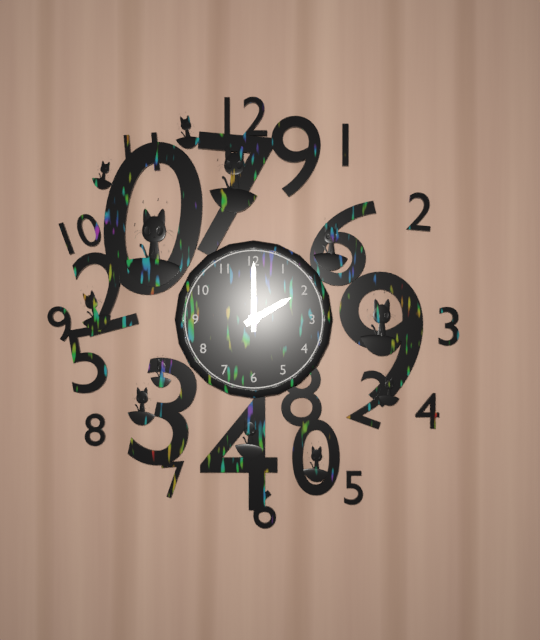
2:00
